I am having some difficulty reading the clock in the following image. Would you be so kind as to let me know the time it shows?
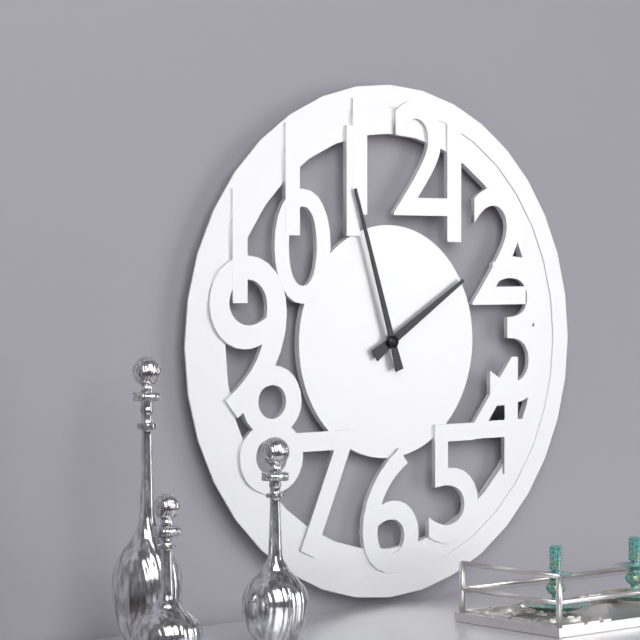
1:57
